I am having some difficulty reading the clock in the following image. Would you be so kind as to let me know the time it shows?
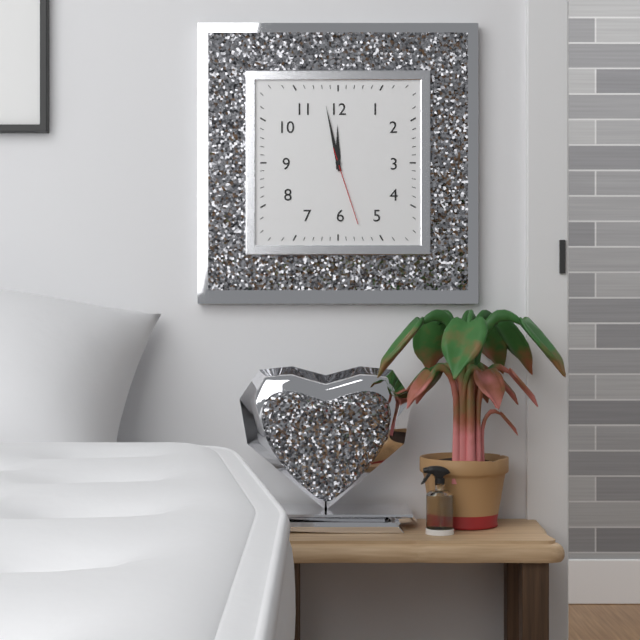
11:58:27
